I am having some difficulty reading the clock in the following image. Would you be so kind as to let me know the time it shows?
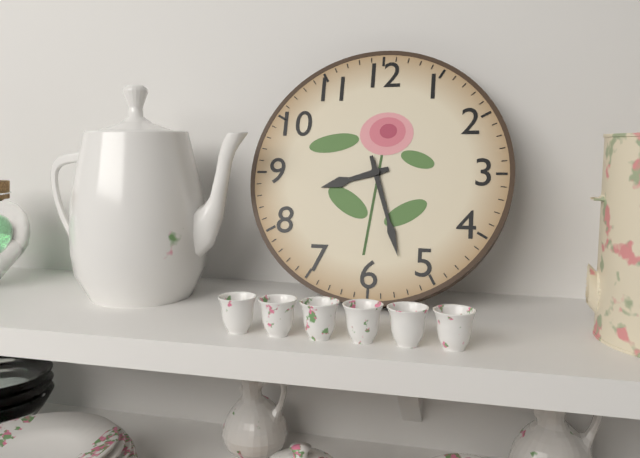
8:27
